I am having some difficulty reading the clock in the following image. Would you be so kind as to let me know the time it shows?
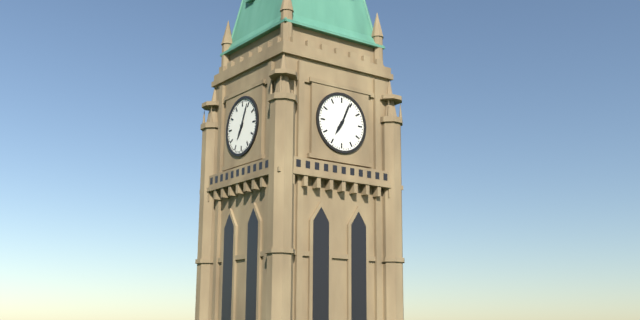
7:04
